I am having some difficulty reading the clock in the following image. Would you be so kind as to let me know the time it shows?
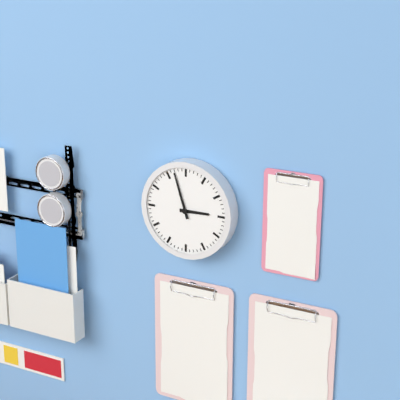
2:57
